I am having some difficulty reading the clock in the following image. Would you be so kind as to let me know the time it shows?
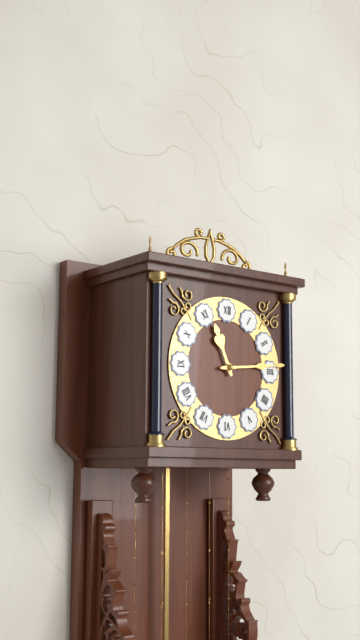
11:14
